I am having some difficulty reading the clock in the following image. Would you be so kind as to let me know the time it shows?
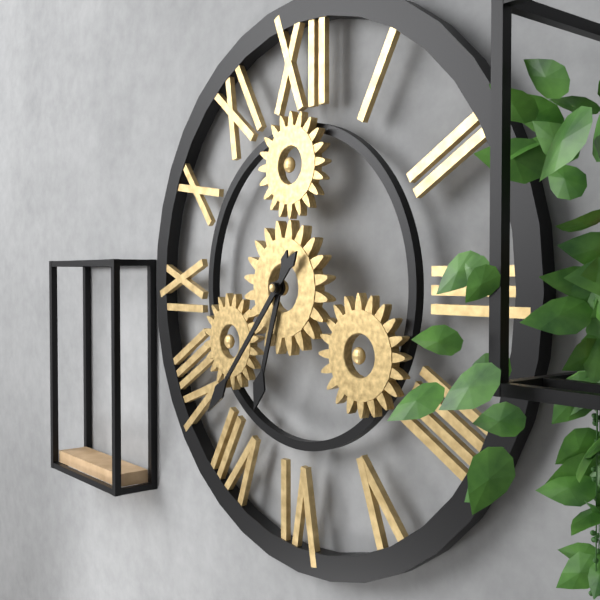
6:37
